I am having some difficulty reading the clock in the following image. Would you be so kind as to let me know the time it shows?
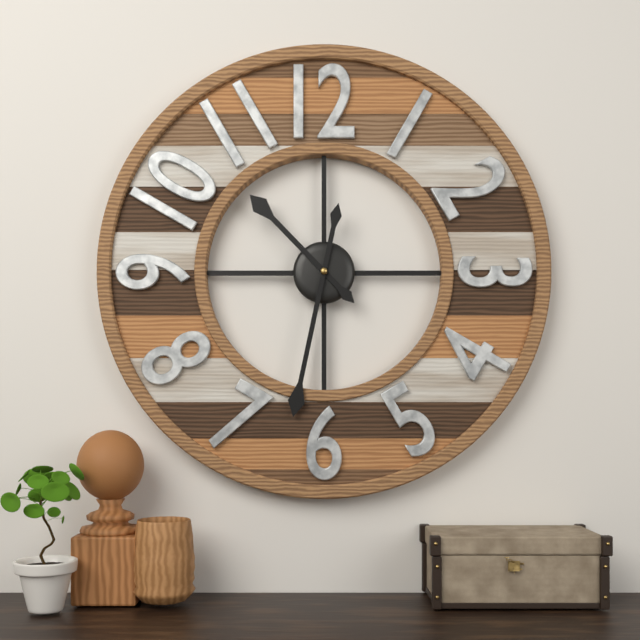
10:32
